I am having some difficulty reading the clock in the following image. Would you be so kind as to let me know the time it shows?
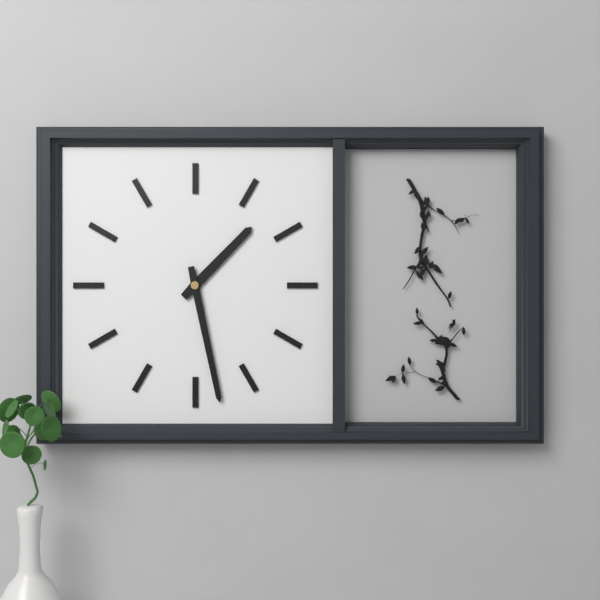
1:28
